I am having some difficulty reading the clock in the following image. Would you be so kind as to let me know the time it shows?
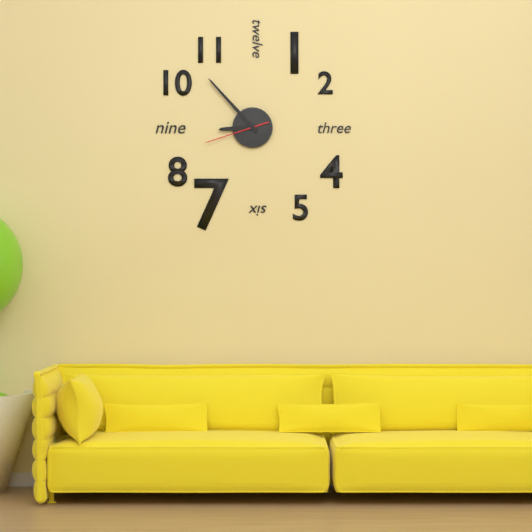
8:53:42
